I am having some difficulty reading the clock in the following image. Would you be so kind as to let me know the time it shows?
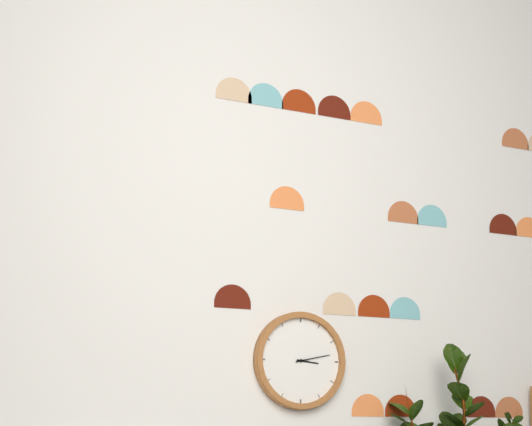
3:13
